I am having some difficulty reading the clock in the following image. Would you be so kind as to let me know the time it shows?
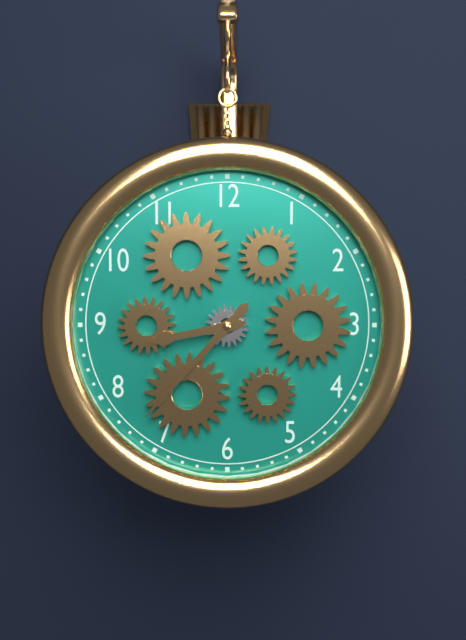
8:37
